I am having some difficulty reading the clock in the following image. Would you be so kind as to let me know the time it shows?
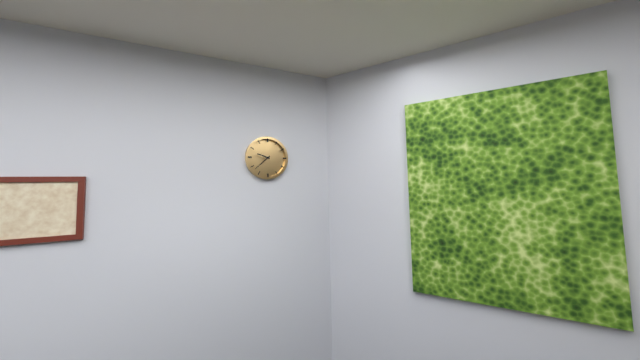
9:38
